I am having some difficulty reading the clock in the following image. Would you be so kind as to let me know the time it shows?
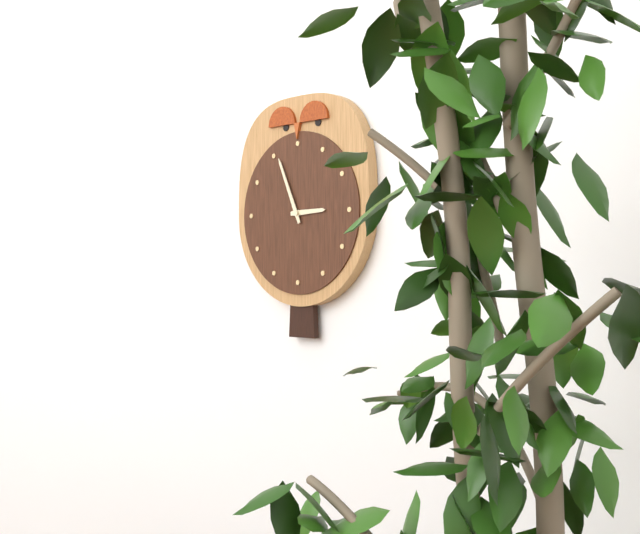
2:56
